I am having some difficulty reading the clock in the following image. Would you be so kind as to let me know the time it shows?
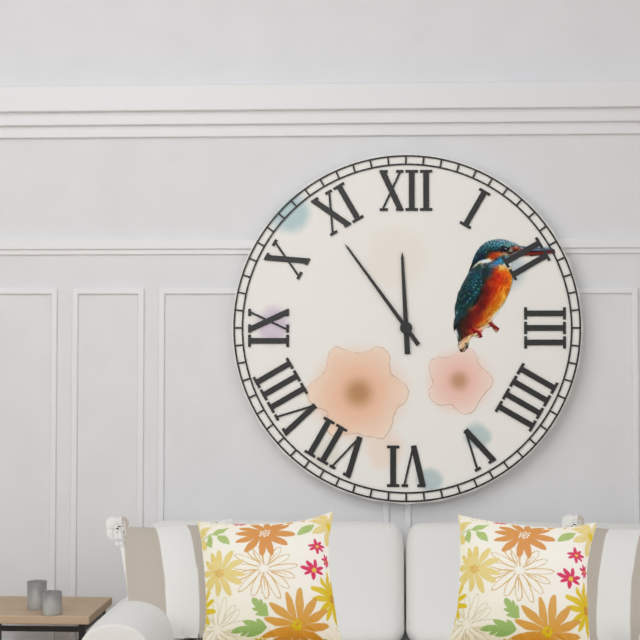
11:54
